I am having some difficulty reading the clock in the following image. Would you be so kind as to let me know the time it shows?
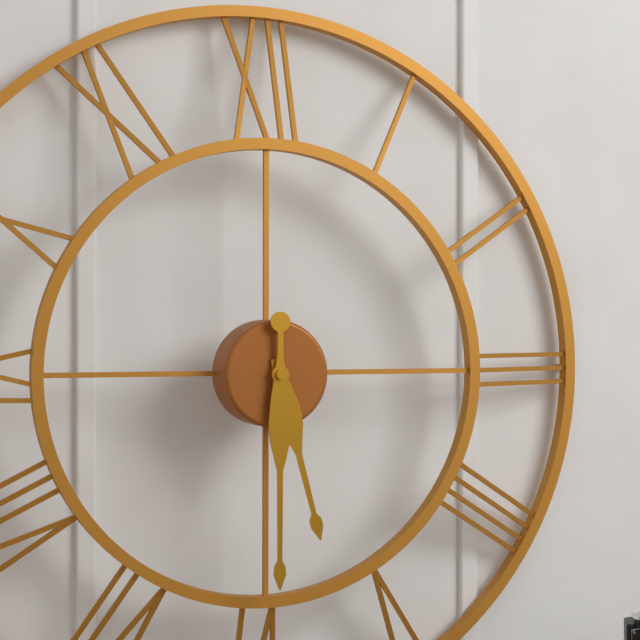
5:30
